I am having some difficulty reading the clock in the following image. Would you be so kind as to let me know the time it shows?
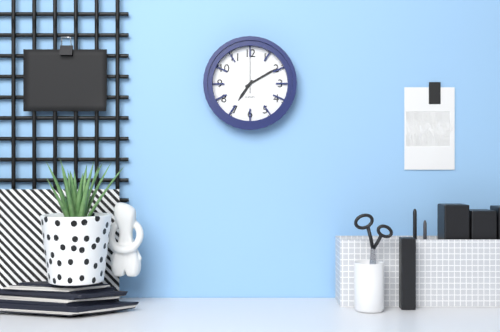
7:10
